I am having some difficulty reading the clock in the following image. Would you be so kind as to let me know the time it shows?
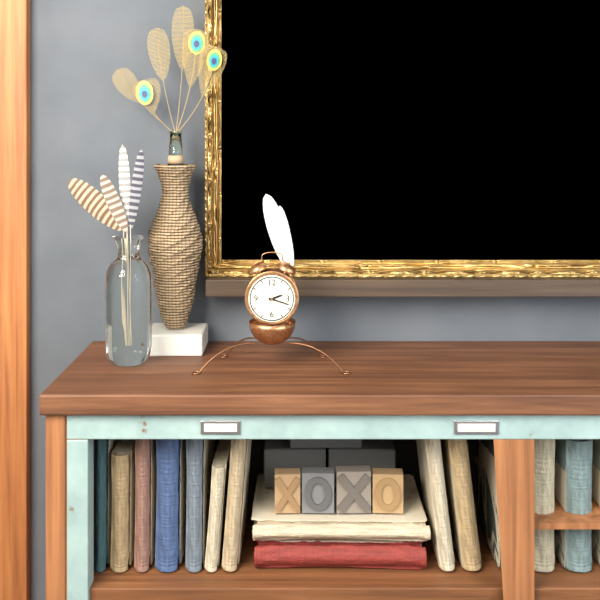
2:18
